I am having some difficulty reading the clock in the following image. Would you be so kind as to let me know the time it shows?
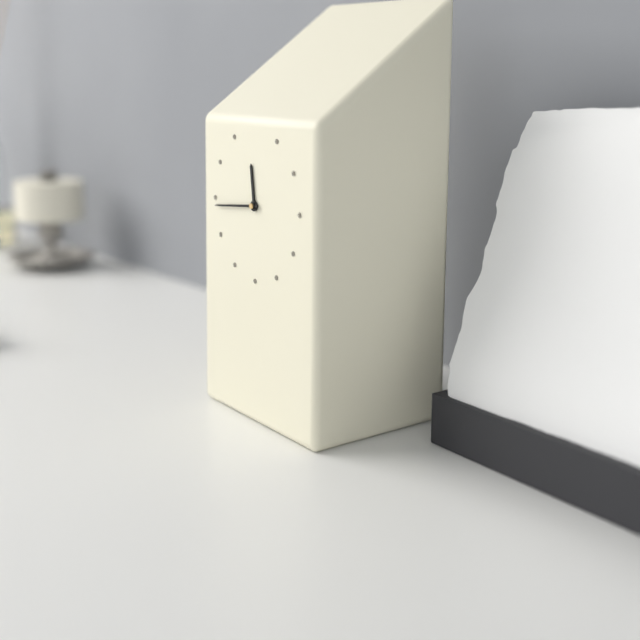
11:44
